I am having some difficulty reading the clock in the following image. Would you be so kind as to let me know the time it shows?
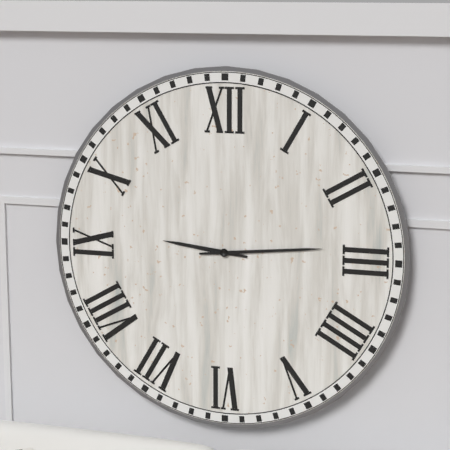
9:14
